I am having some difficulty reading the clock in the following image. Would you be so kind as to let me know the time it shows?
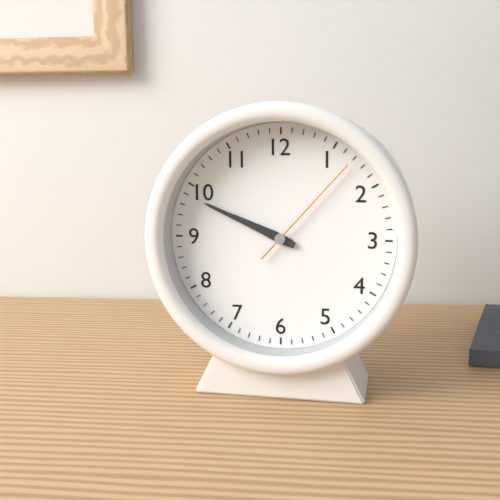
9:49:07
